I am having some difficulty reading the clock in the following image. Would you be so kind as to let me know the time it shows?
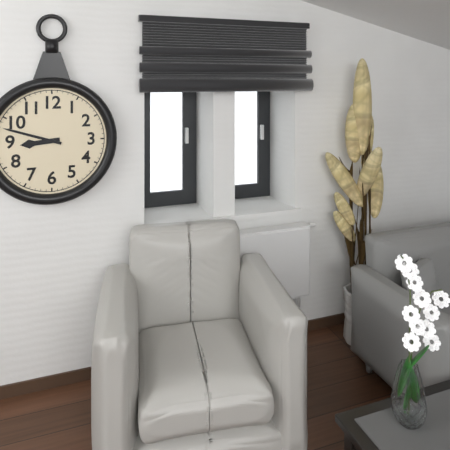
8:48
